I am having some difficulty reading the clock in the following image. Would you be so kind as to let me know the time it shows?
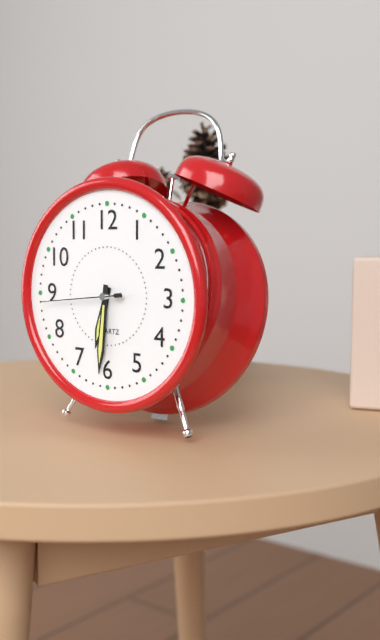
6:31:44
